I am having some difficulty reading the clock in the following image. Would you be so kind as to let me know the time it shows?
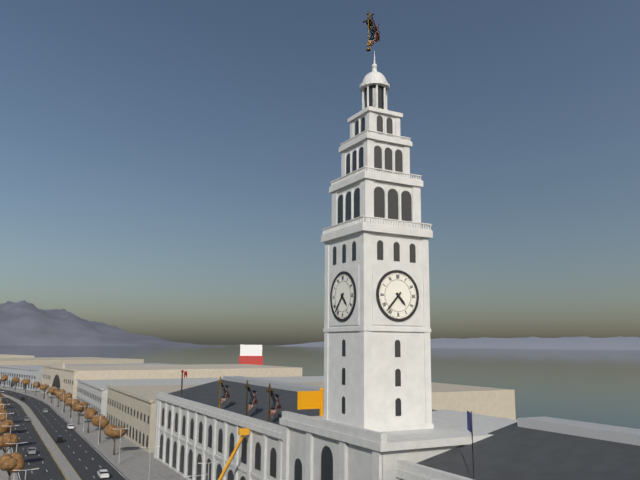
4:37
